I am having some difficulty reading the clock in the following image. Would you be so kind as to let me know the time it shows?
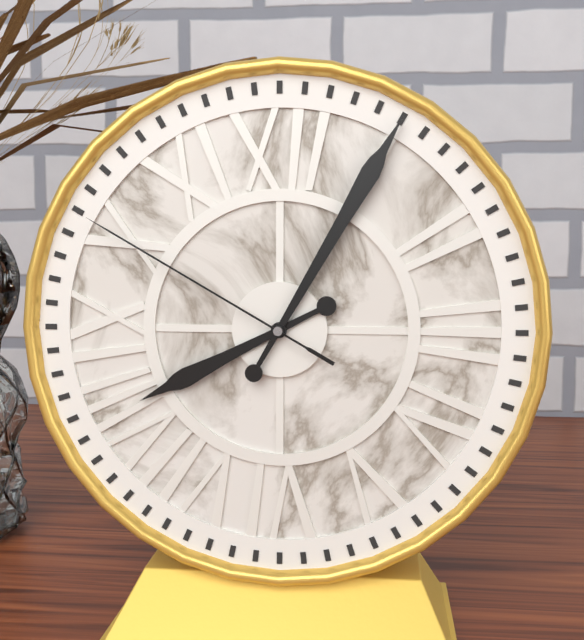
8:05:50
